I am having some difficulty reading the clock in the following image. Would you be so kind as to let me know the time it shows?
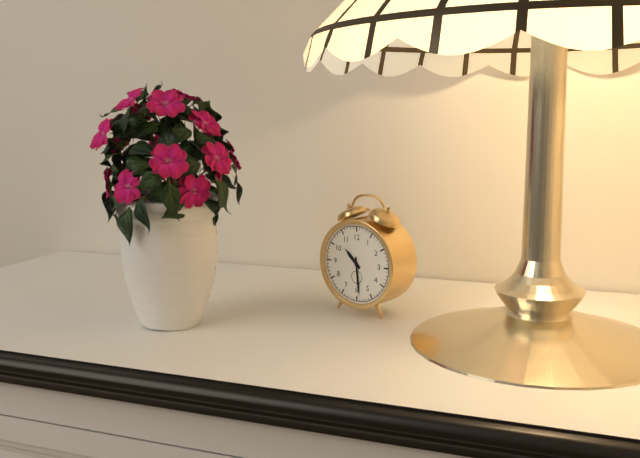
10:29
